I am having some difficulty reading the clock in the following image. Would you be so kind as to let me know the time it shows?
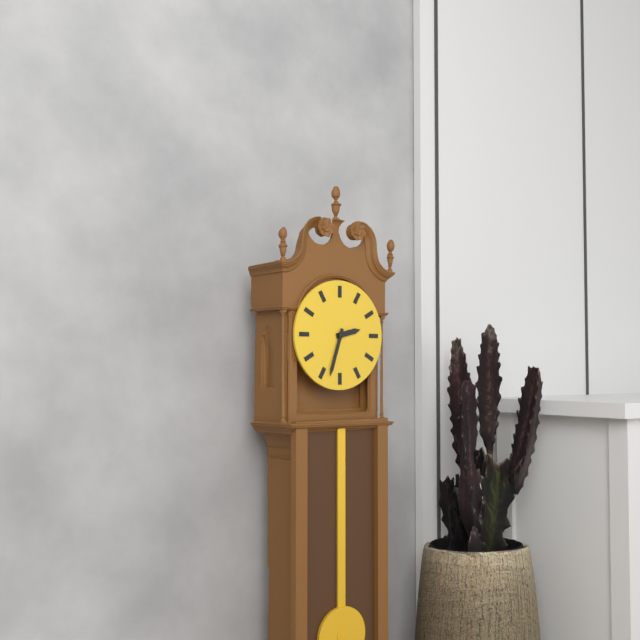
2:33
